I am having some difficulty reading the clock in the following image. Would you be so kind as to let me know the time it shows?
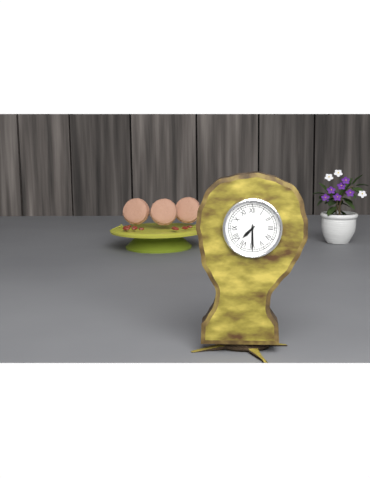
7:30
